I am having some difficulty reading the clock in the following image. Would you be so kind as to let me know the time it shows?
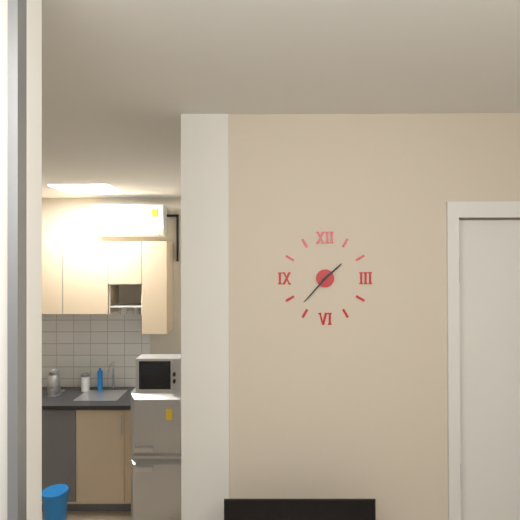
1:37
